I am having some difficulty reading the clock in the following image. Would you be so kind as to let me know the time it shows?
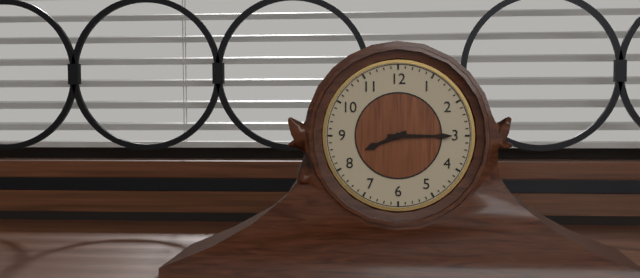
8:15
